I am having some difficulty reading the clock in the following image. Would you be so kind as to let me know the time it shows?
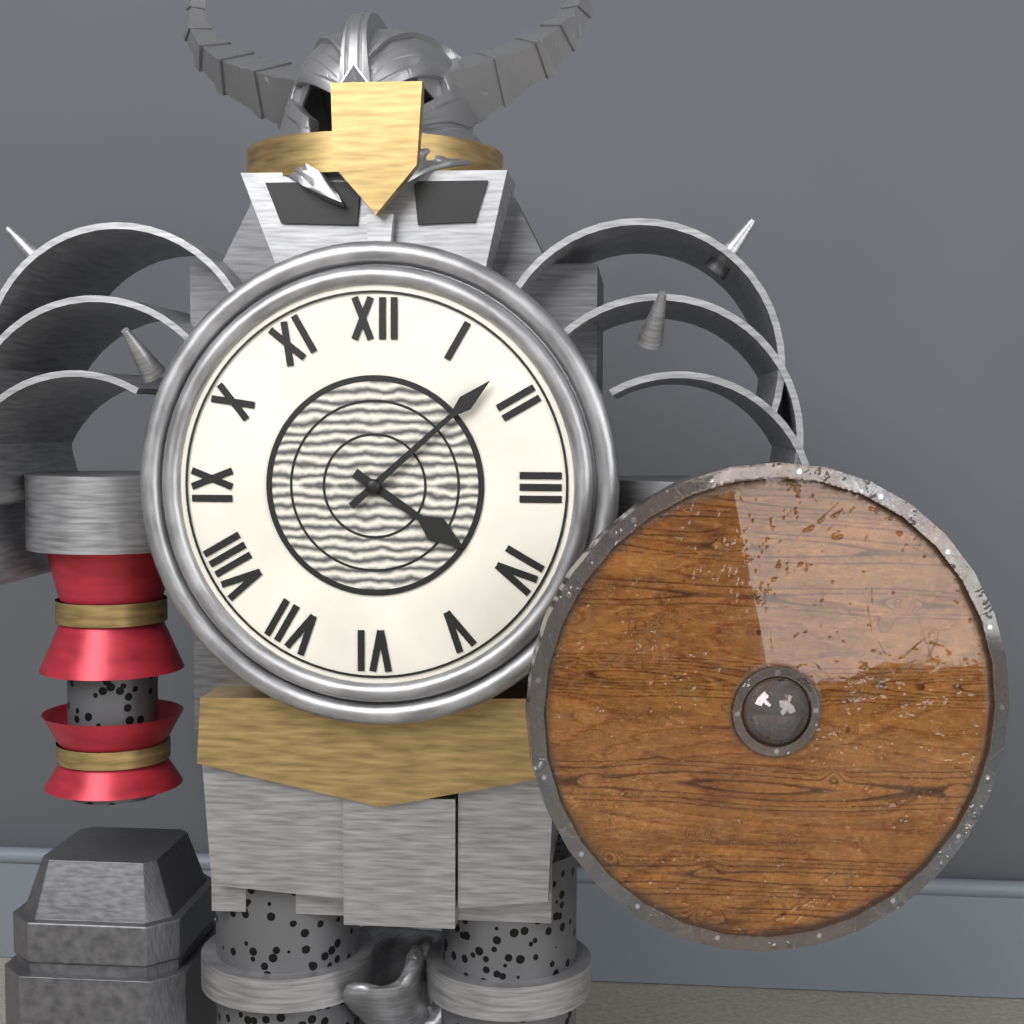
4:08
